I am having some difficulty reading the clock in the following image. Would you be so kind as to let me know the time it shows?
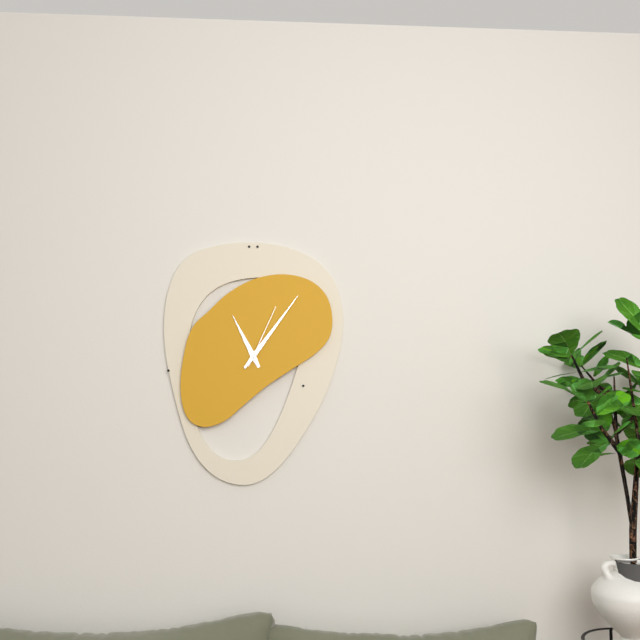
11:06:04
